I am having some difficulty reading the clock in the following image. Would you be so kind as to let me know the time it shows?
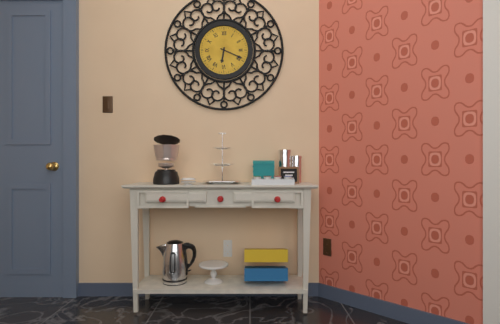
6:19
